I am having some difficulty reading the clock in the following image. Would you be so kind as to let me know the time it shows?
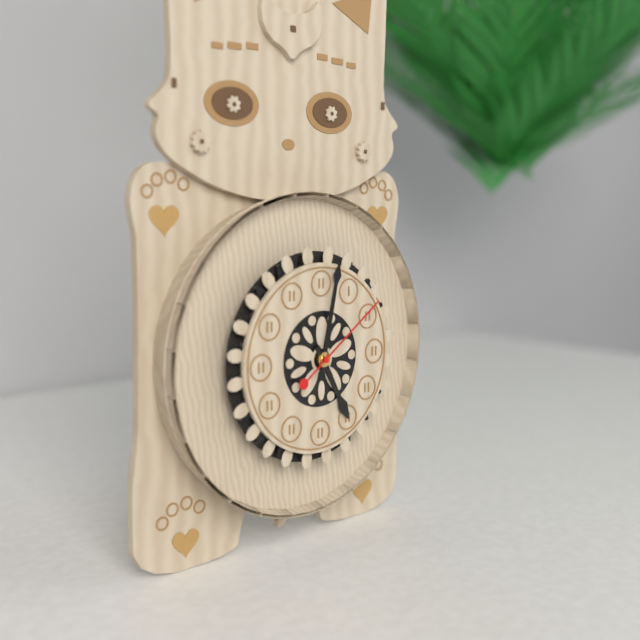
5:02:09
